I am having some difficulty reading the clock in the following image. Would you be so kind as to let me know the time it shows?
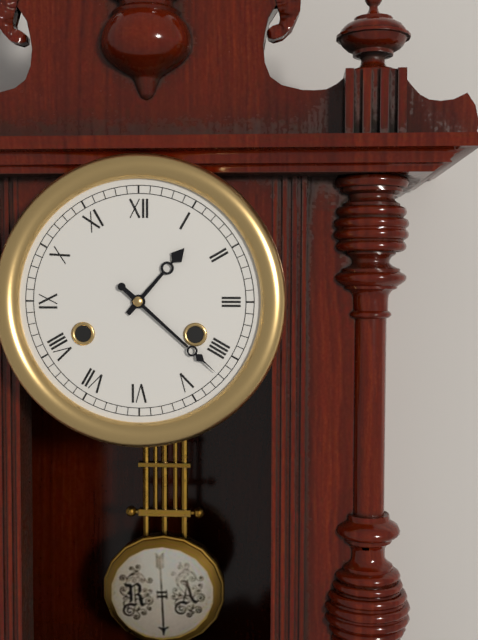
1:22
